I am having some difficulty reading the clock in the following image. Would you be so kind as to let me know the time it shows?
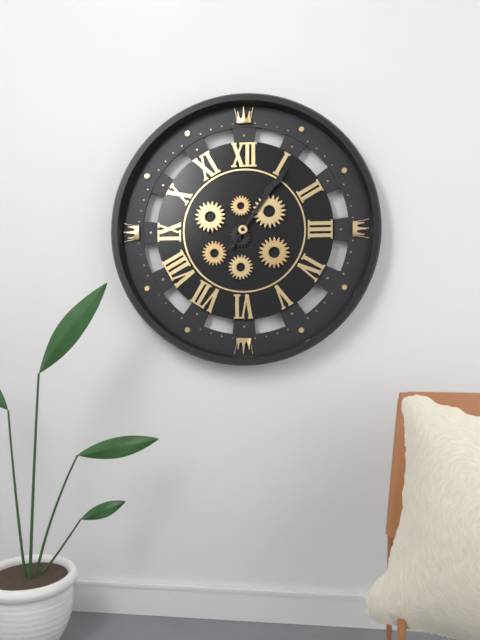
1:06
